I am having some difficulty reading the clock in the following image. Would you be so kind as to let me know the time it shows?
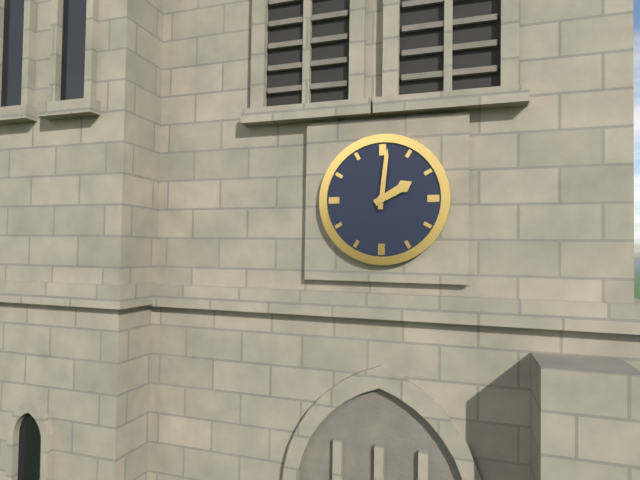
2:01
